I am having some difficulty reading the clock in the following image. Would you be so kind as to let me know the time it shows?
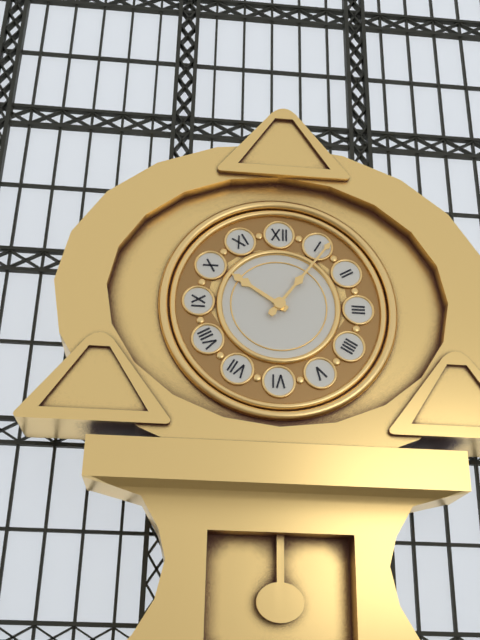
10:06
